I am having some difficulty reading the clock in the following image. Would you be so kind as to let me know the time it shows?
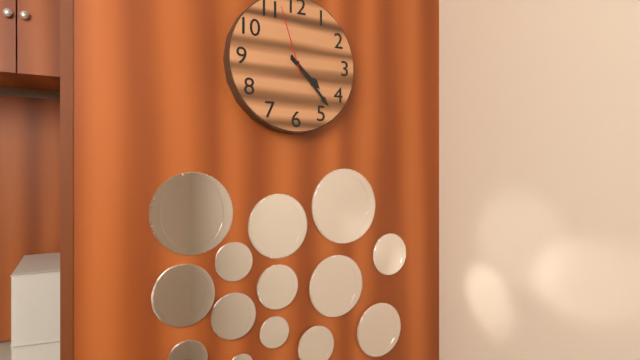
4:23:57
